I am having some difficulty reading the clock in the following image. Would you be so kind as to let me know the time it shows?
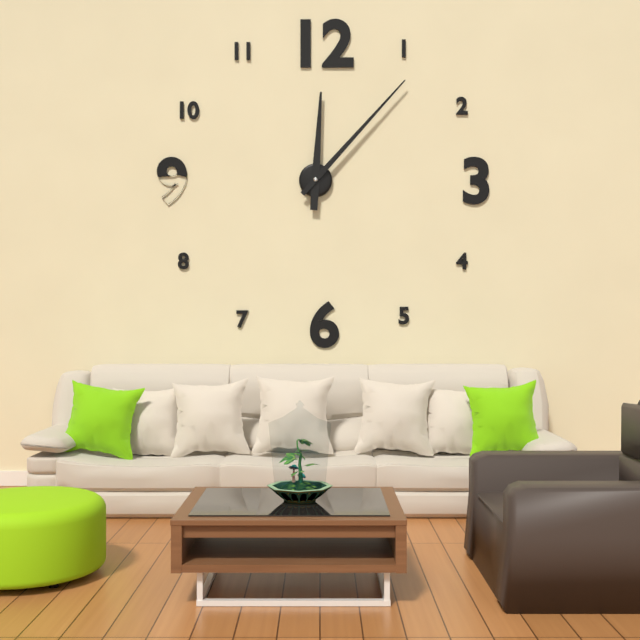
12:07
